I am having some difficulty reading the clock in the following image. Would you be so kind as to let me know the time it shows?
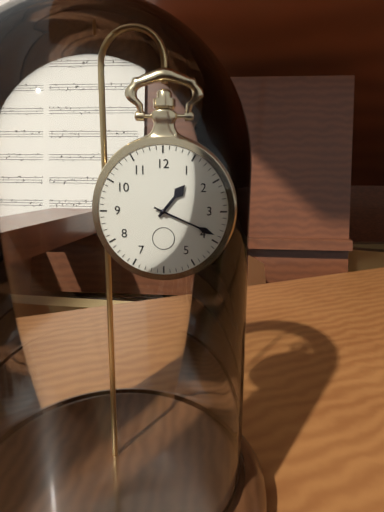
1:19
